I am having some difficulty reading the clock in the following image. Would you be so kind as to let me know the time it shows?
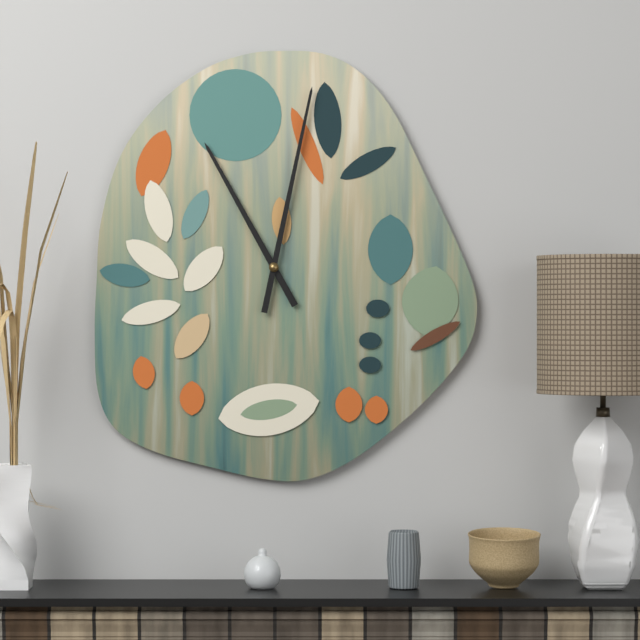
11:02
